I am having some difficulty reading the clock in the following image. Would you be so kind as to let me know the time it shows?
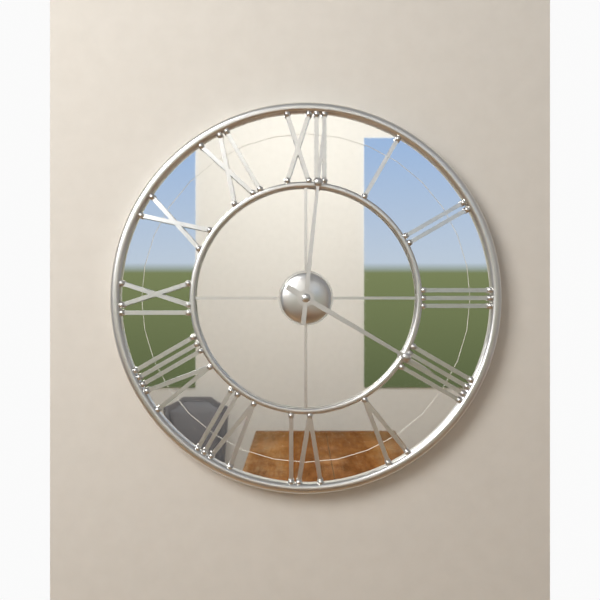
4:01
